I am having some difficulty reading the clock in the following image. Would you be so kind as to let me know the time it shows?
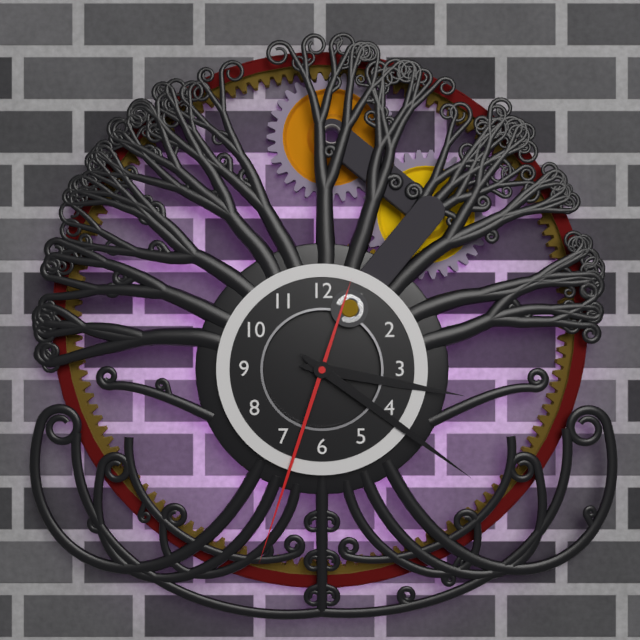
3:21:33
